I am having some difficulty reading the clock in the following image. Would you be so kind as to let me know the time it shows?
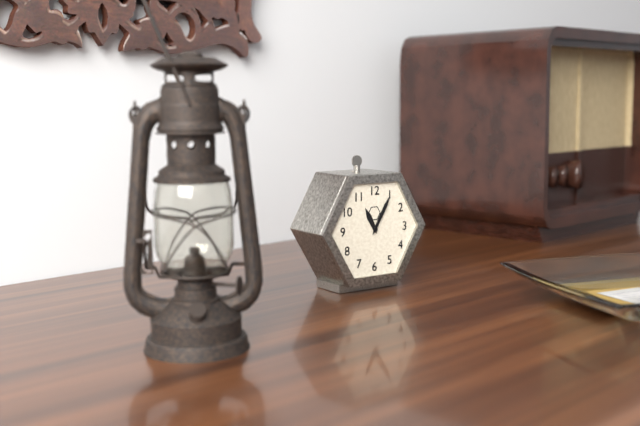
11:05
